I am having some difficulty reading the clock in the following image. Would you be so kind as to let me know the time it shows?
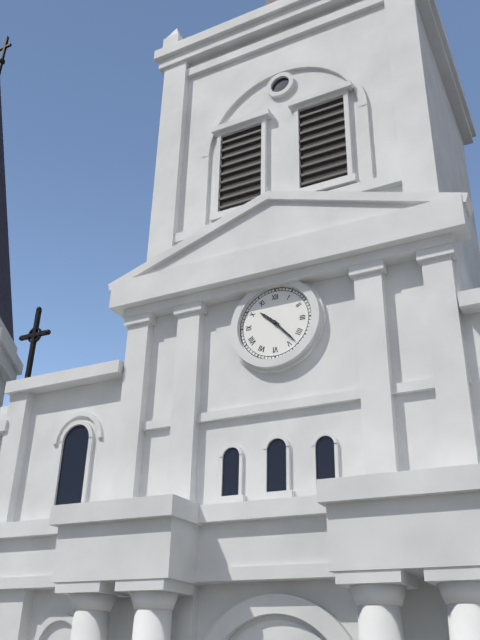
10:23
